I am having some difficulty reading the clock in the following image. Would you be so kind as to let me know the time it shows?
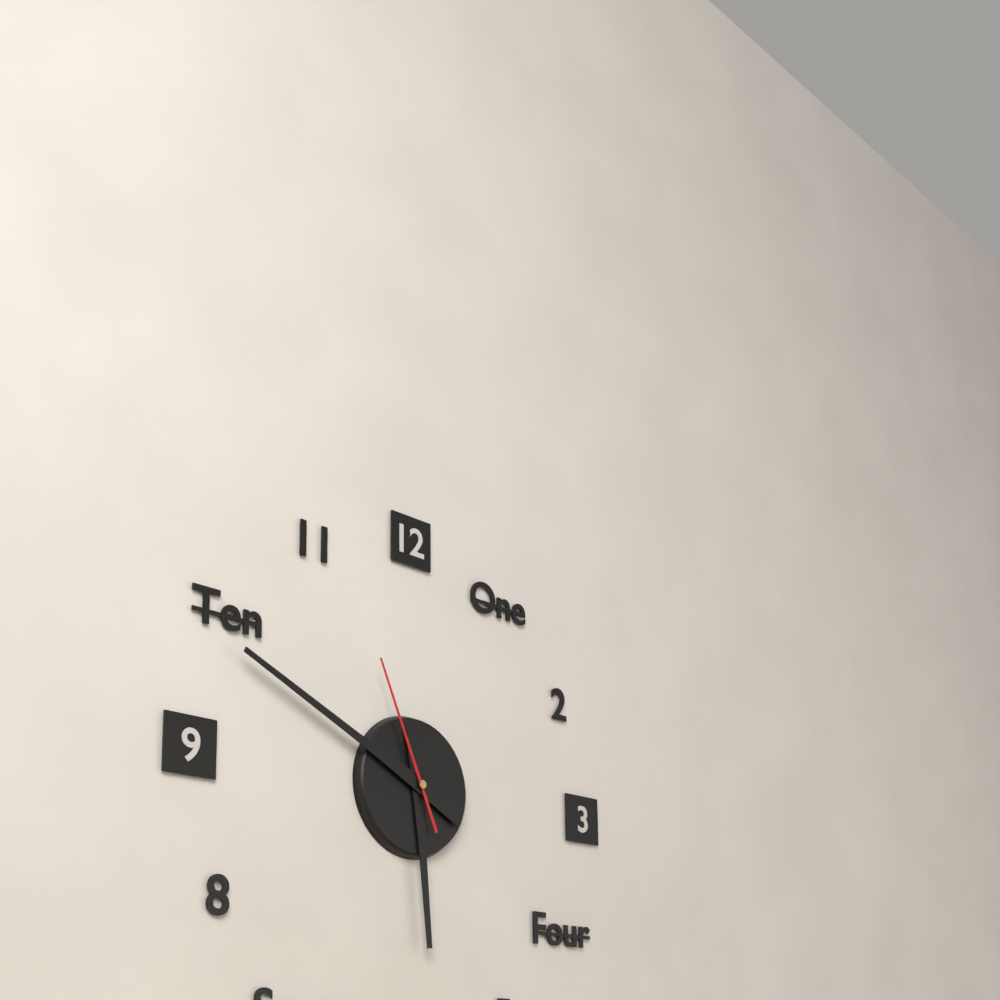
5:49:56
